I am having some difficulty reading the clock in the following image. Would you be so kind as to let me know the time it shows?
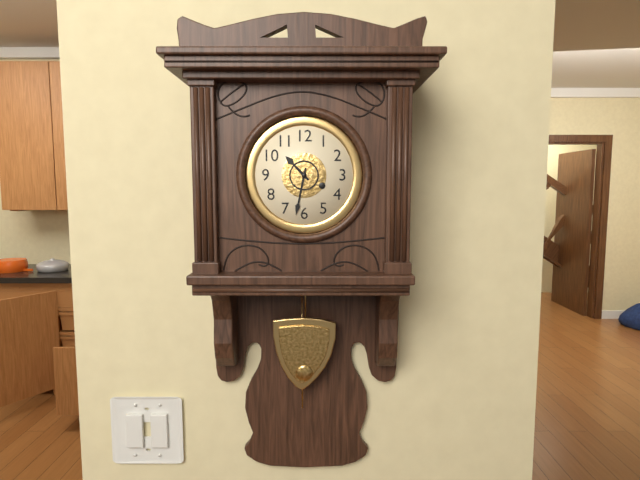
10:32
